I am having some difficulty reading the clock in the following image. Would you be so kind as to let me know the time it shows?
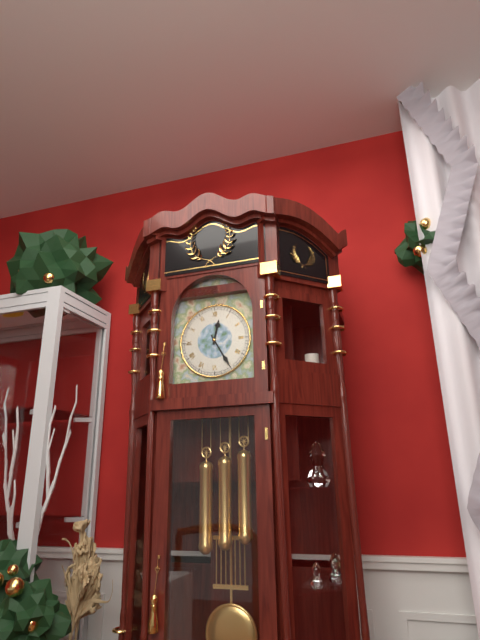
12:25
